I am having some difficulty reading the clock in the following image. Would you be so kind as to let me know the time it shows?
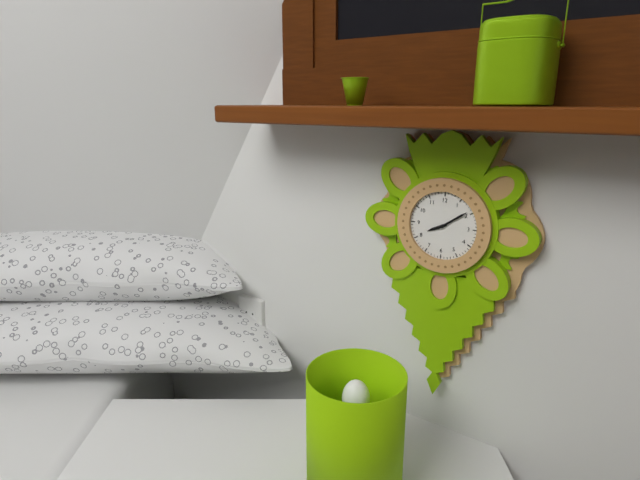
8:09
